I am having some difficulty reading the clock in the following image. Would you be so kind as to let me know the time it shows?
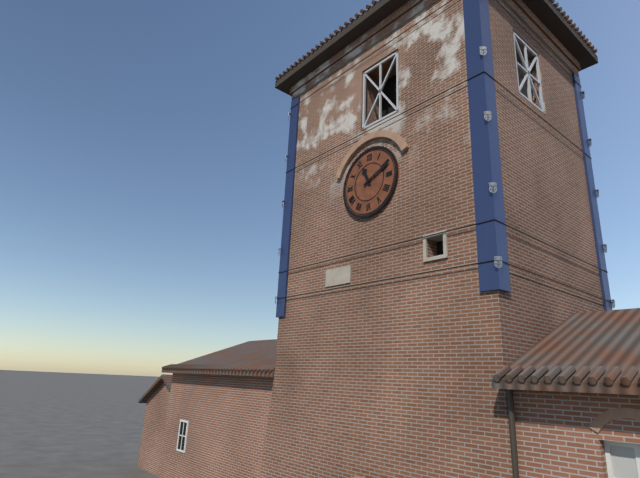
11:11
